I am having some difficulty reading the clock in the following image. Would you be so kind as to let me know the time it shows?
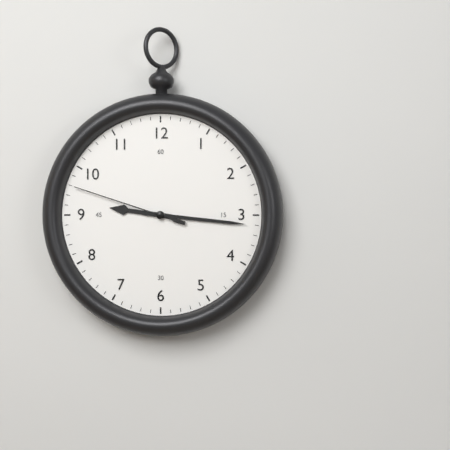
9:16:48
